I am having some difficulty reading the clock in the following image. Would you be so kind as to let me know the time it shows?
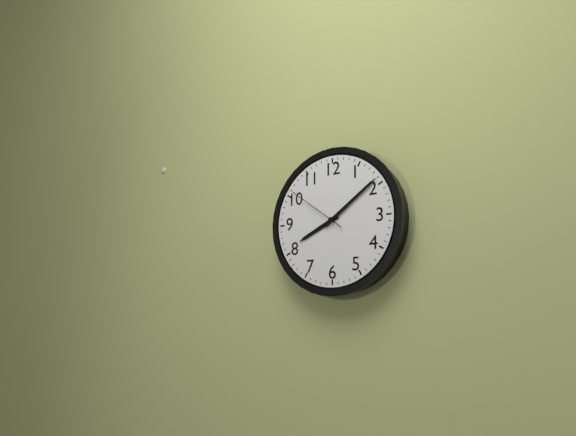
8:09:51
